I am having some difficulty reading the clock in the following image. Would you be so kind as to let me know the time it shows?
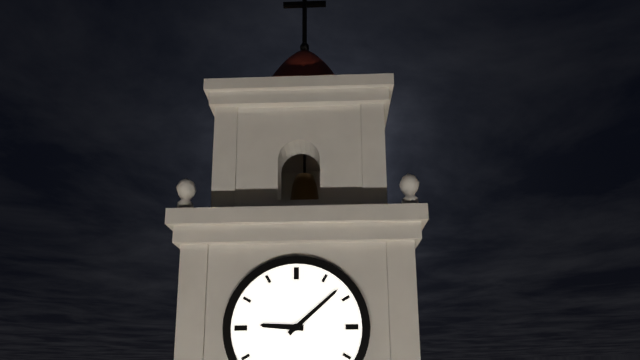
9:08
